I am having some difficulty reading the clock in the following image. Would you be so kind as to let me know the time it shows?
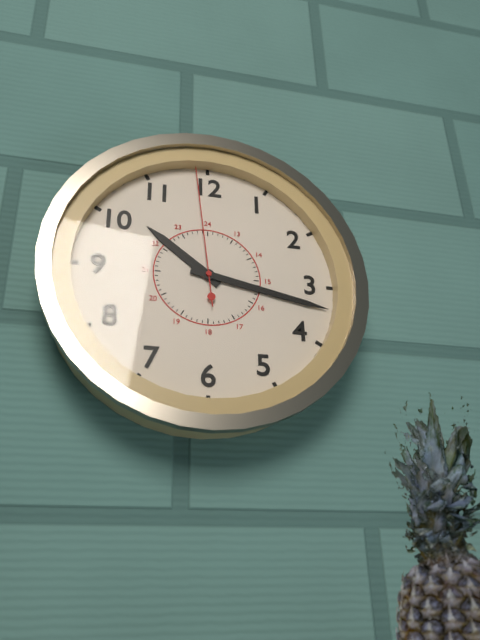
10:17:59
